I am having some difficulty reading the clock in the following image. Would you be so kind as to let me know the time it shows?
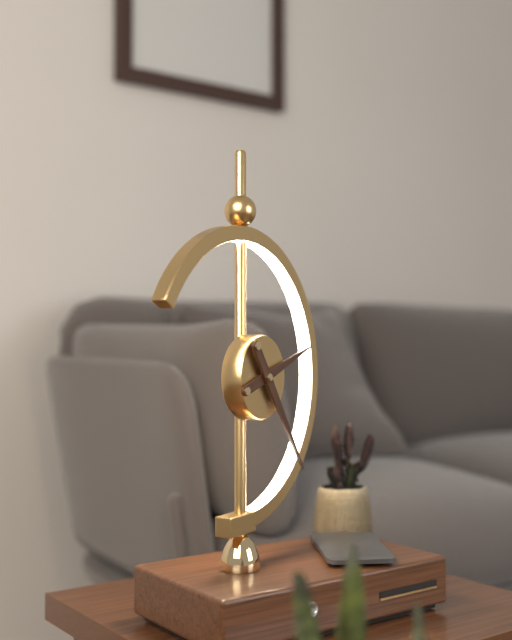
2:24
